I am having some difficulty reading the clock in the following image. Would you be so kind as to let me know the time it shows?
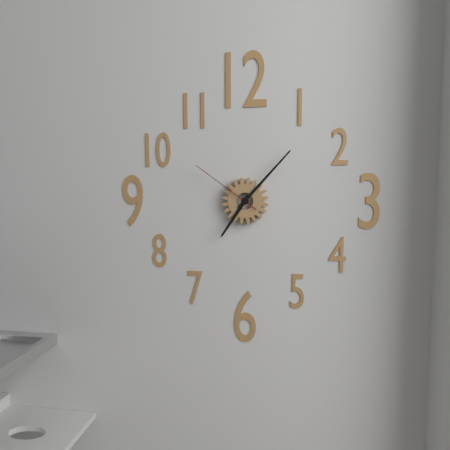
7:07:51
